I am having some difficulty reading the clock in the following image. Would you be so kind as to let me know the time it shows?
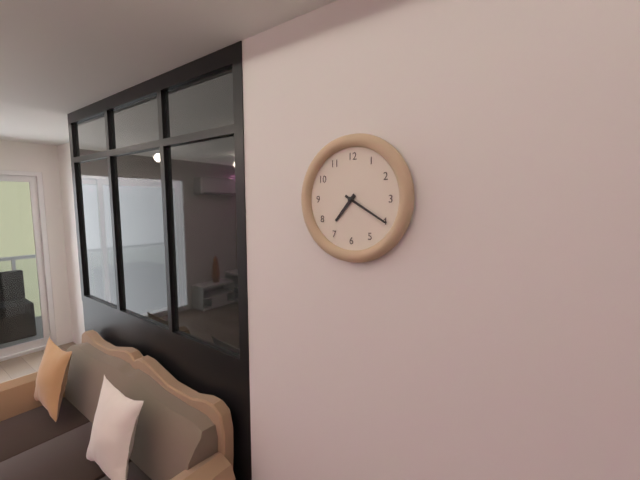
7:20
